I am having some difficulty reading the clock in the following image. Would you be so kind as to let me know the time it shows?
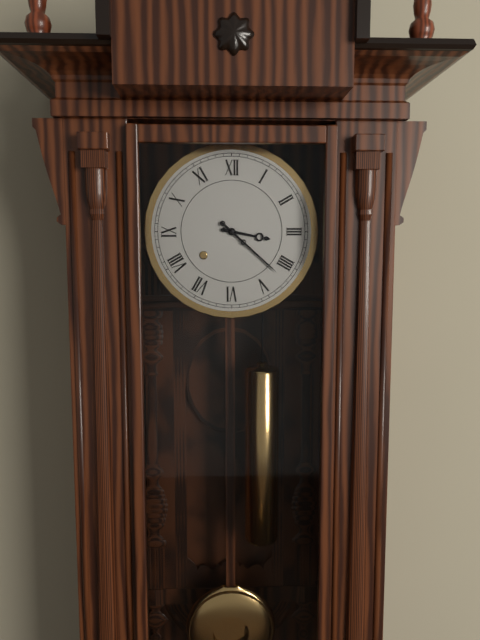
3:22
